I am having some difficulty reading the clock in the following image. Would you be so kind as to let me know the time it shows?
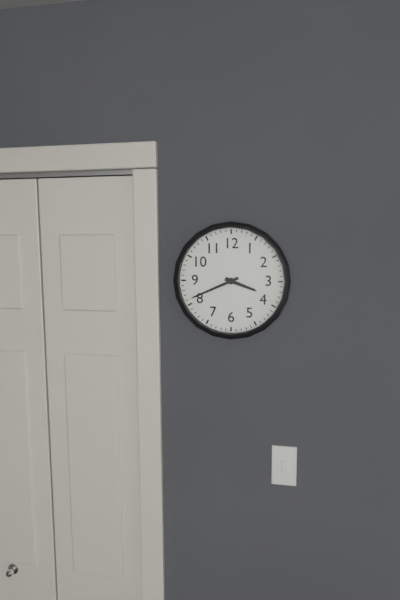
3:41
